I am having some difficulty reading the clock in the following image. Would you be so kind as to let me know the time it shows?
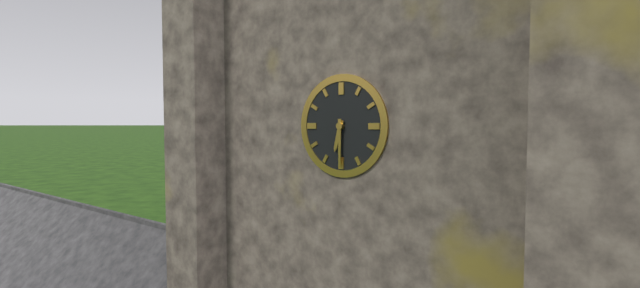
6:30
